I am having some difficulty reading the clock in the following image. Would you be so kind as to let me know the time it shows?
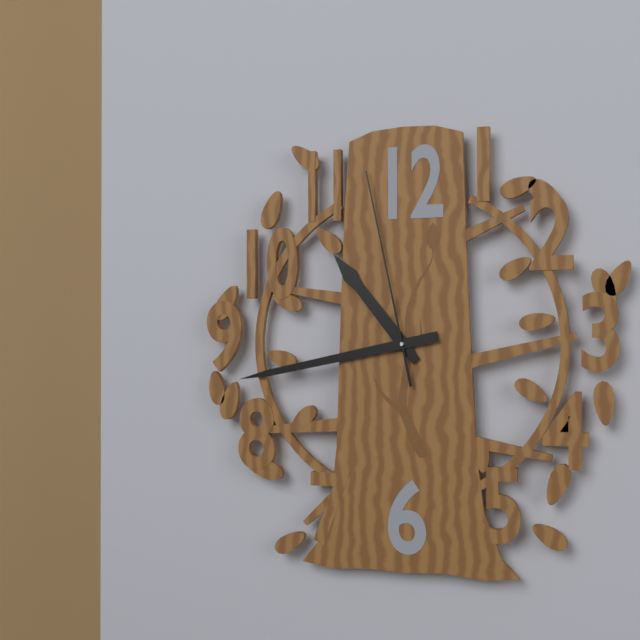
10:43:58
